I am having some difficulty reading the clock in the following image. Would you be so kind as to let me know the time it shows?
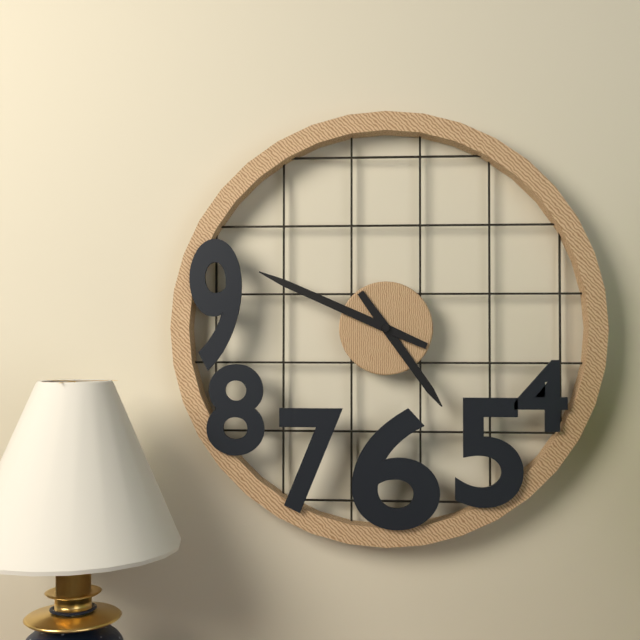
4:49
